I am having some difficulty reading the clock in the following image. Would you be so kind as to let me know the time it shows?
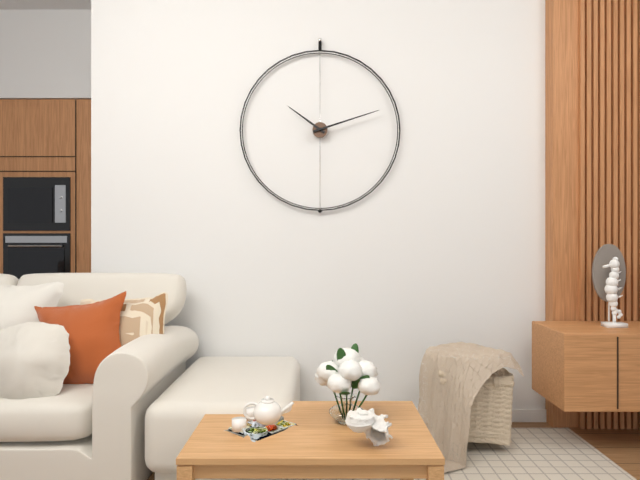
10:12
